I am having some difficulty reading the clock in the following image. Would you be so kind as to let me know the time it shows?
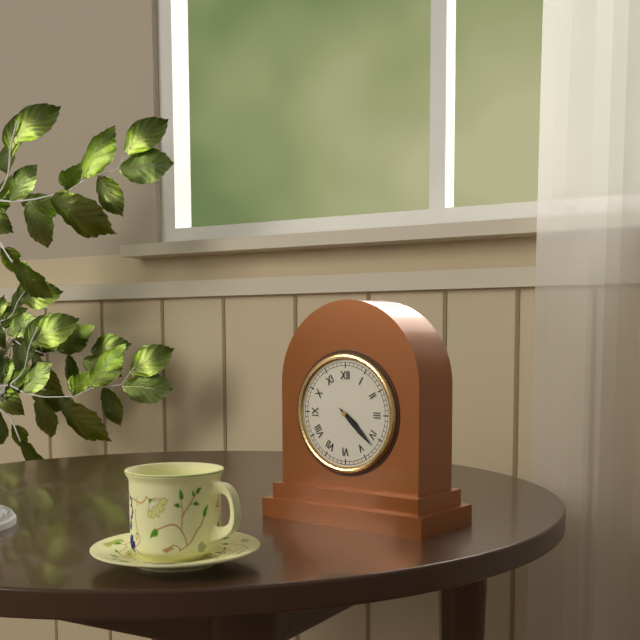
4:22
